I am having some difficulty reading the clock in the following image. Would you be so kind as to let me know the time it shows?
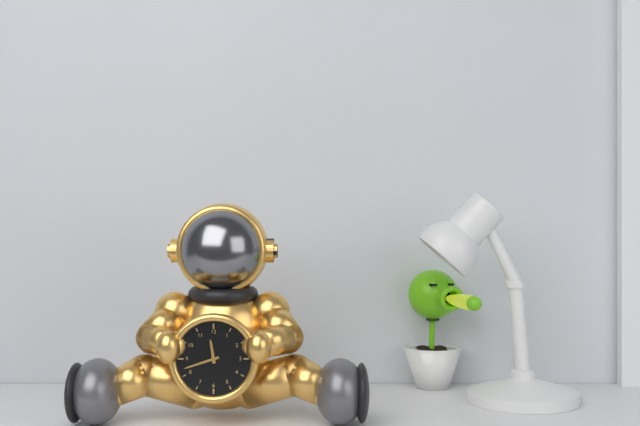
11:42
